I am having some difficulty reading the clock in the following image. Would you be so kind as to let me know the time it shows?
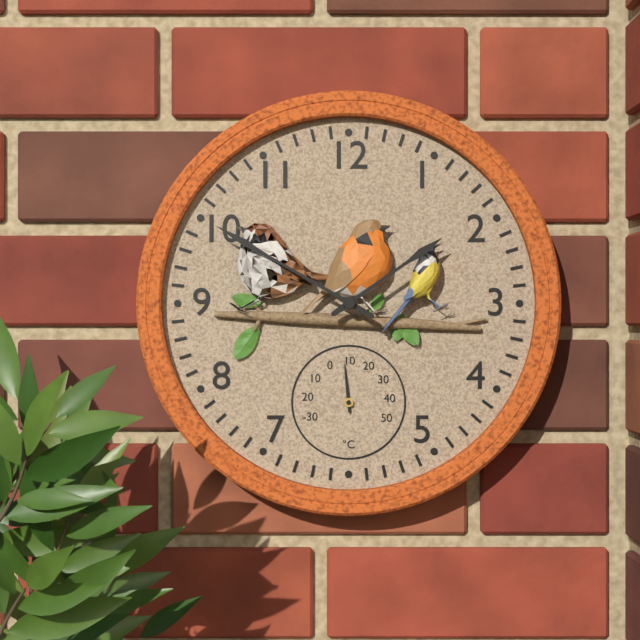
1:50
